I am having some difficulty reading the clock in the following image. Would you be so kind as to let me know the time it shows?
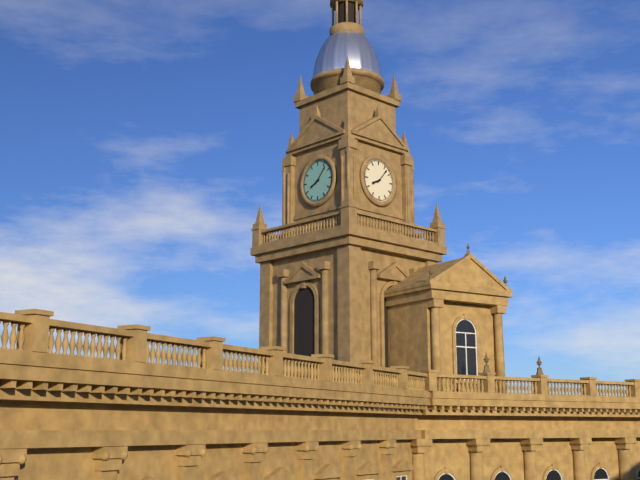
8:07
